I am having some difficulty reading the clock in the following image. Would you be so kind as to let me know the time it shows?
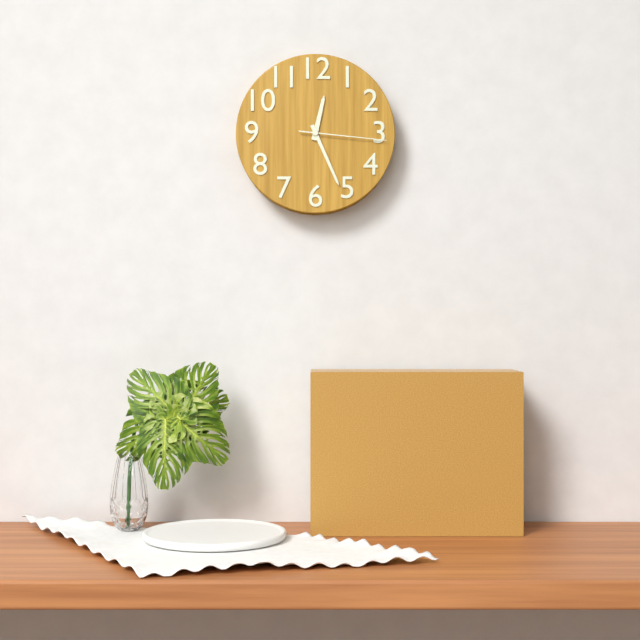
12:26:16
